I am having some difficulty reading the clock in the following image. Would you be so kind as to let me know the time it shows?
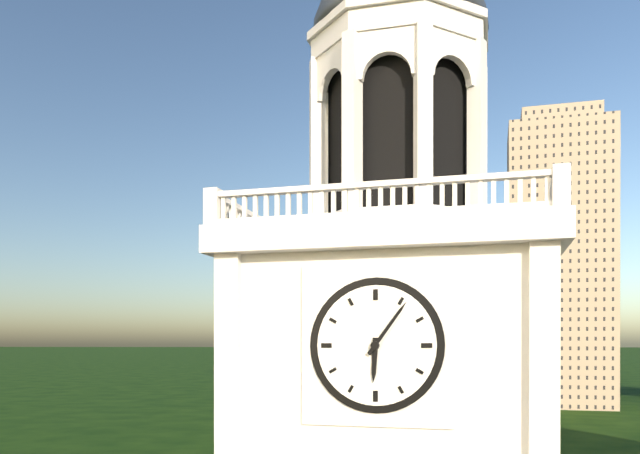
6:06
